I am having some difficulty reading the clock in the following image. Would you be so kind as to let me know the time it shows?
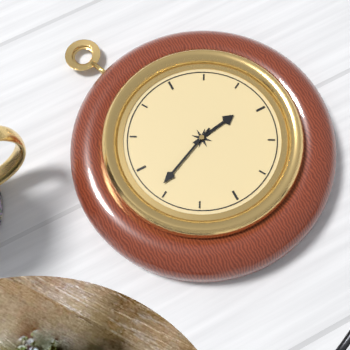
2:41
